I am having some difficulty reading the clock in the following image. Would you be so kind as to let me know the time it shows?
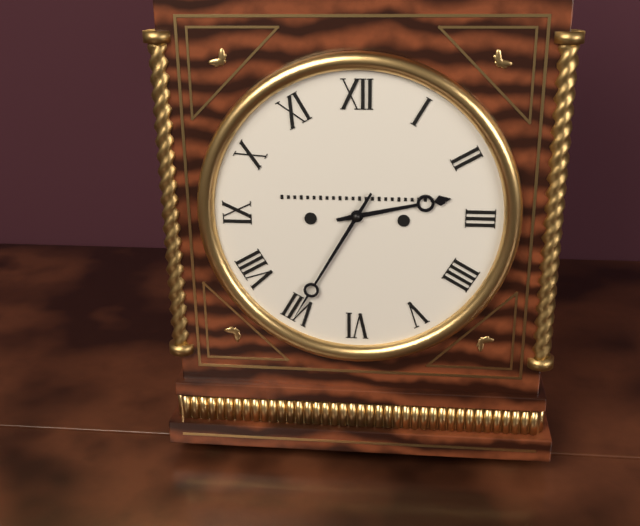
2:35
